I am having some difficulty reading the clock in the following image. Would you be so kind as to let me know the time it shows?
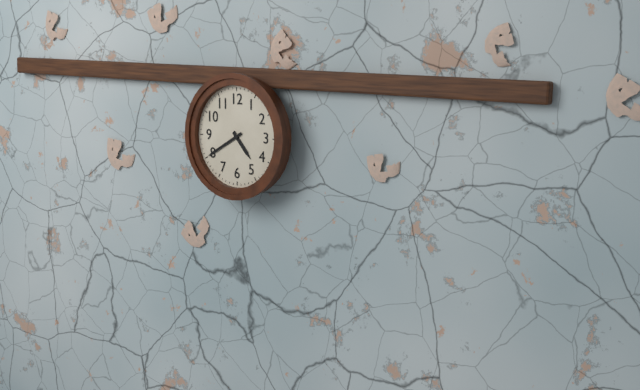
4:40
